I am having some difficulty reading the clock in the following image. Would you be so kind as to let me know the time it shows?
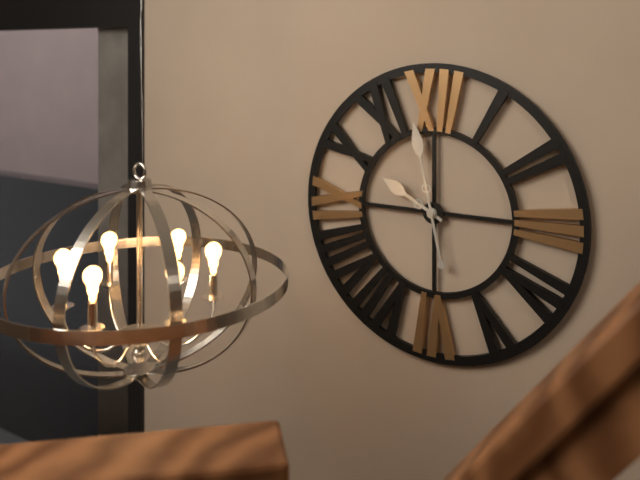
9:58
